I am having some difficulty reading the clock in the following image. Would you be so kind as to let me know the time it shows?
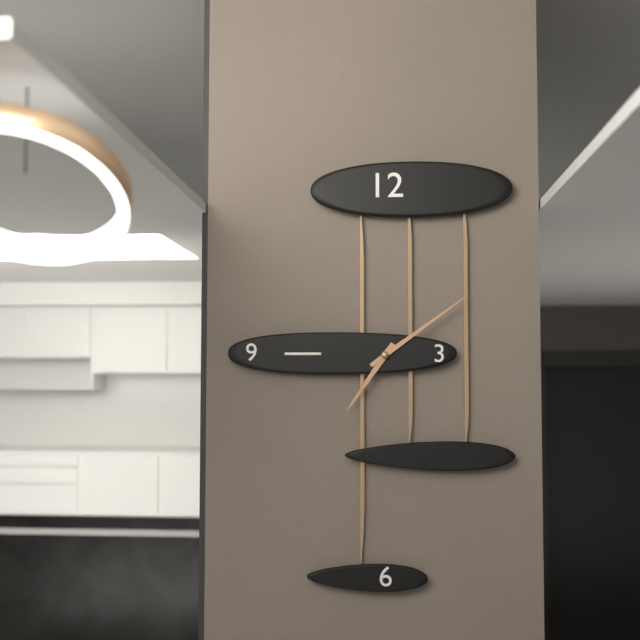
7:09
